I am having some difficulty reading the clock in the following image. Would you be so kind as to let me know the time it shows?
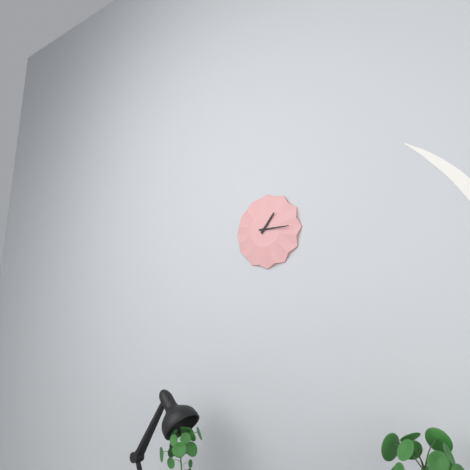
1:15
